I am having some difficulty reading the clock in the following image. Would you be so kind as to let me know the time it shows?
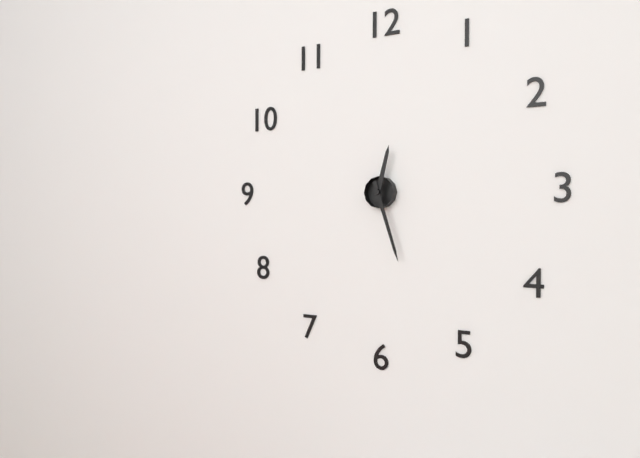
12:27
